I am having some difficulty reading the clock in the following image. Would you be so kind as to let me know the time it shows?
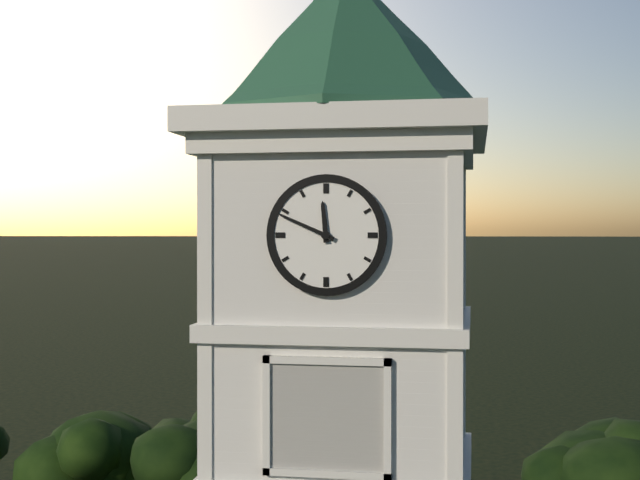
11:49
